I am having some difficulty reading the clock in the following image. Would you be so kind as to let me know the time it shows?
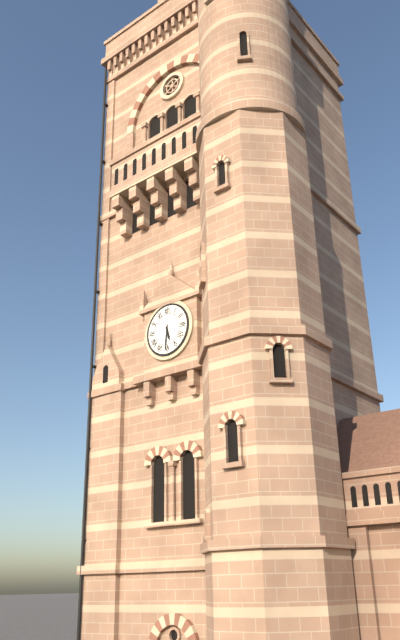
5:31
